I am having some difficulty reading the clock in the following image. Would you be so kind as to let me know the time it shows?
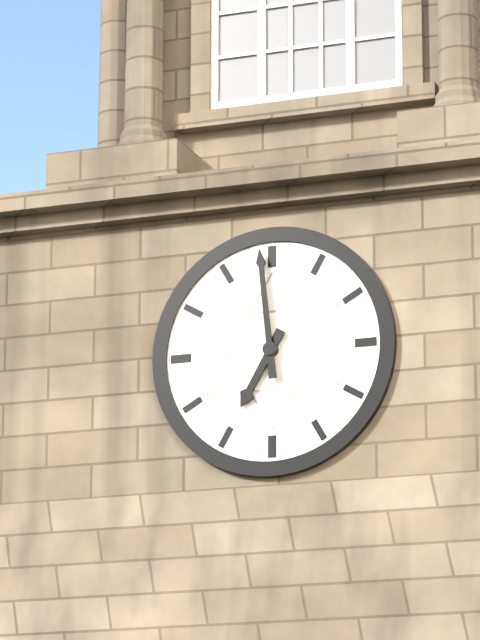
6:59
